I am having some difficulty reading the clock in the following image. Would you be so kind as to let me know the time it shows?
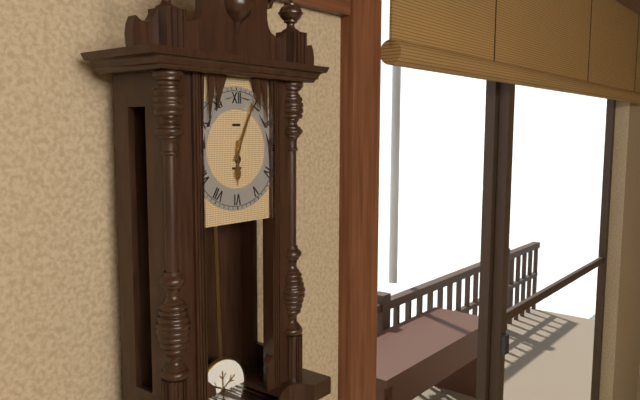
6:04
